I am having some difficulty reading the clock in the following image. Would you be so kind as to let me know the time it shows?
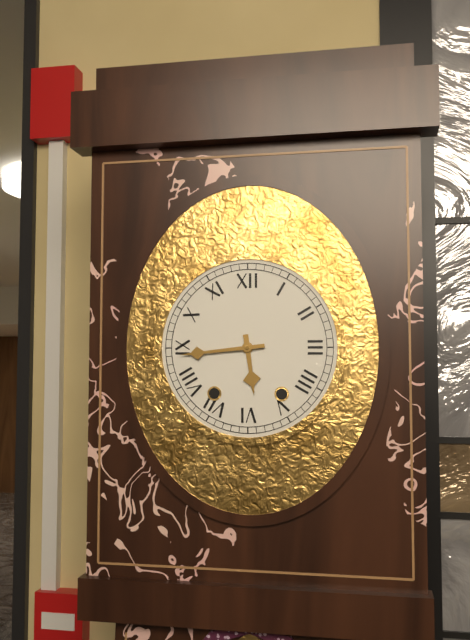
5:44
